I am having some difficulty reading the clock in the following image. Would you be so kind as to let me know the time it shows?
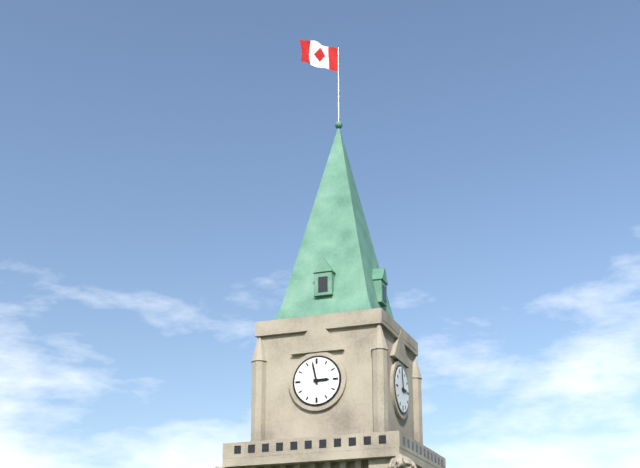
2:58
